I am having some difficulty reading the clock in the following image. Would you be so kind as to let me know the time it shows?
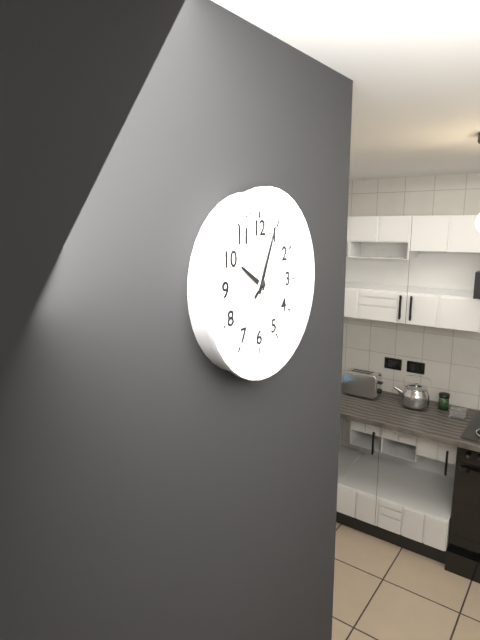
10:04:08
